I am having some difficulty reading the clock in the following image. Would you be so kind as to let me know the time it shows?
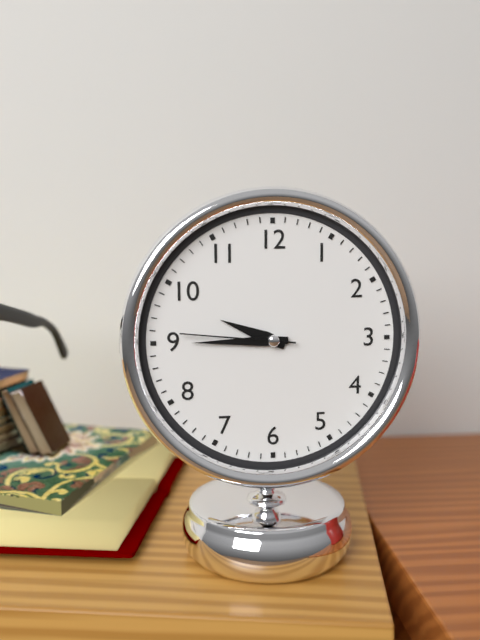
9:45:46
